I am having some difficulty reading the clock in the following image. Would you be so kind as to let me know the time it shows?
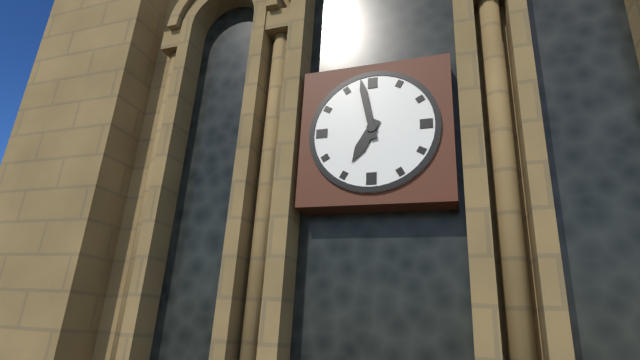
6:58
